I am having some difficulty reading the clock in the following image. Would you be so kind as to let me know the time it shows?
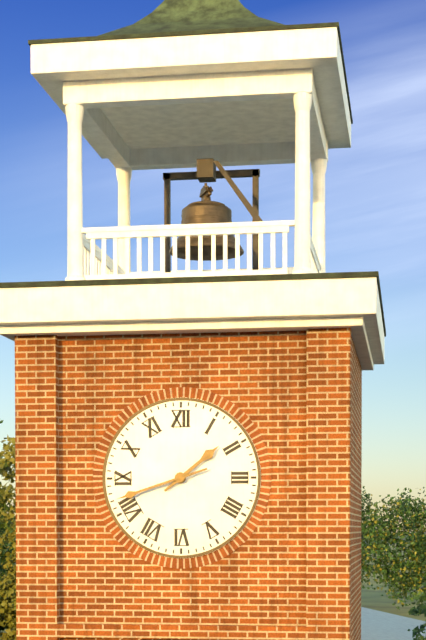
1:42
